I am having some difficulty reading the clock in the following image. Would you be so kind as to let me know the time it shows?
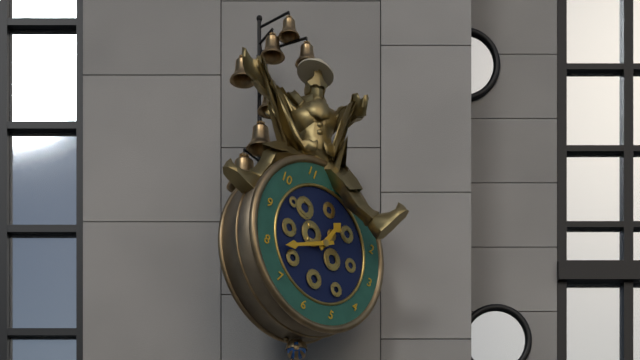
12:39
